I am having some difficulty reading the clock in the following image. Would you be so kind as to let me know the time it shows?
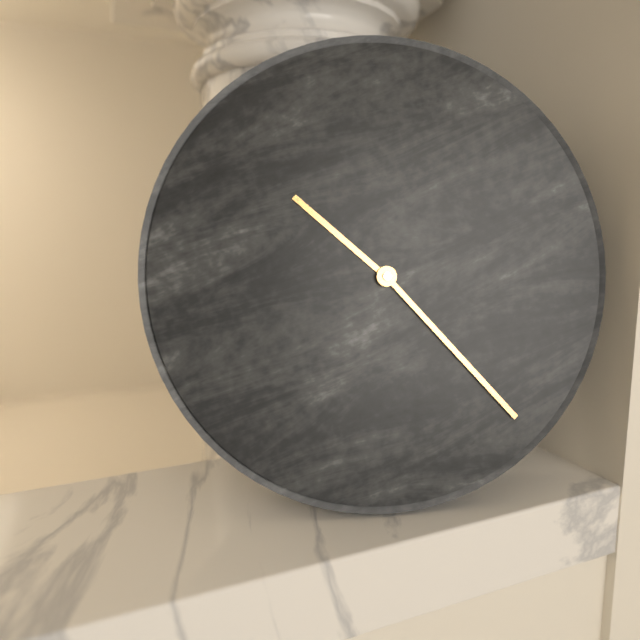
10:23
